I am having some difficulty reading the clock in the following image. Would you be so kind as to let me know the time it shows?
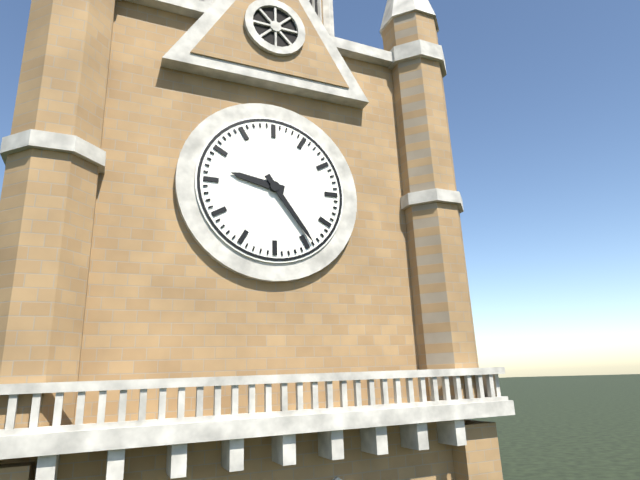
9:24
